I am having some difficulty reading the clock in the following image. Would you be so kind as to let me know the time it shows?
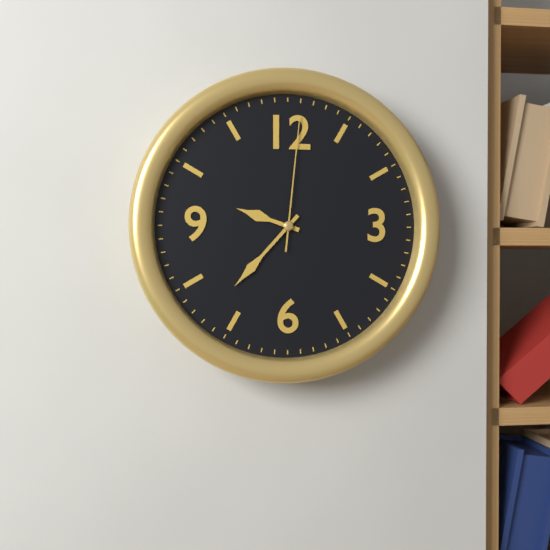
9:37:01
